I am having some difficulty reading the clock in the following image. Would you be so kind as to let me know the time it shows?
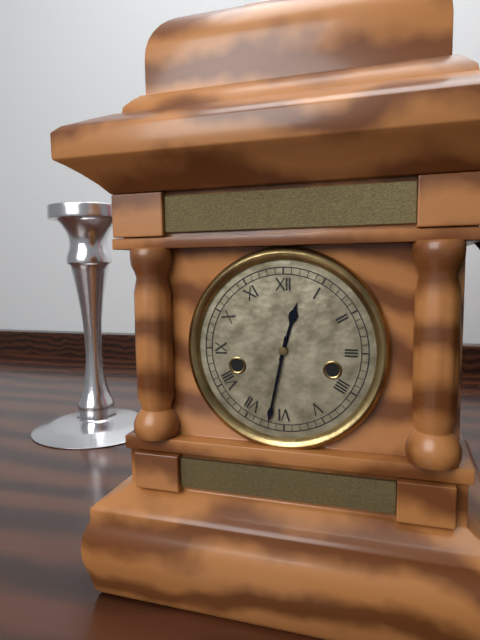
12:32
